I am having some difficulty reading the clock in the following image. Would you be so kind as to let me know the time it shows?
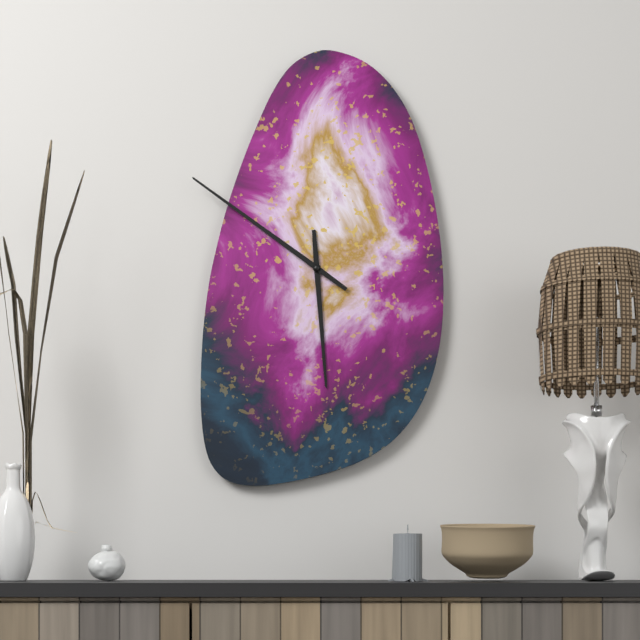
5:51
